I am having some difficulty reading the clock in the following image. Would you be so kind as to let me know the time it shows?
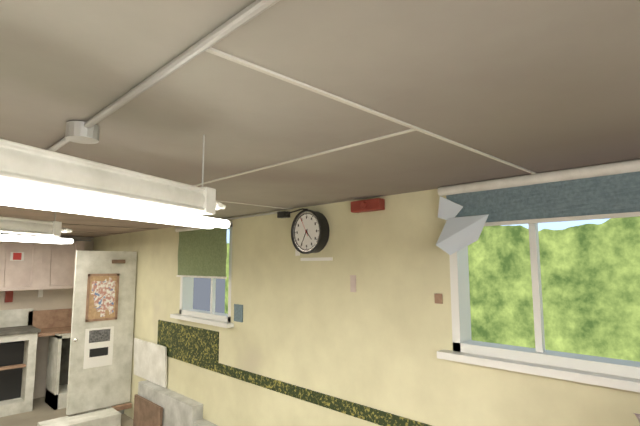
4:35
